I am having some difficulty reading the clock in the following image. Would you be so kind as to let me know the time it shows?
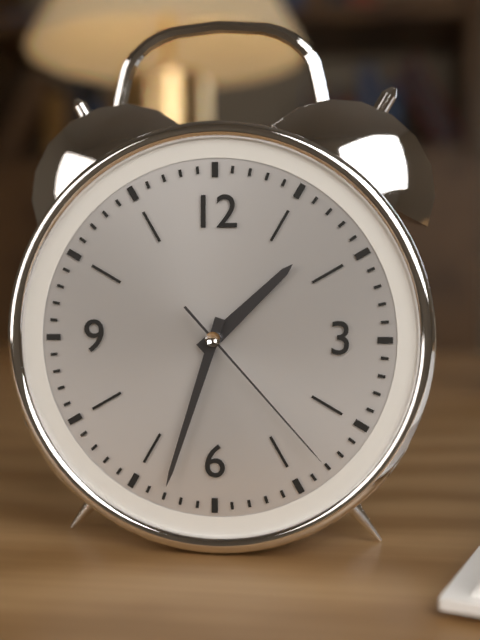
1:33:23
